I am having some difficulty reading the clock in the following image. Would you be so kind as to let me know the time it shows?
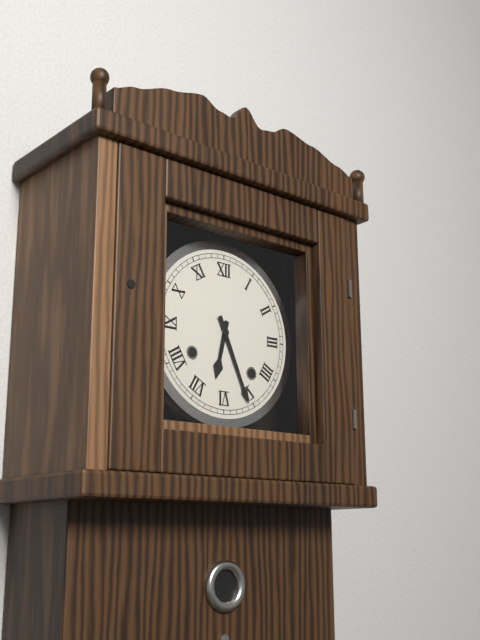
6:26
